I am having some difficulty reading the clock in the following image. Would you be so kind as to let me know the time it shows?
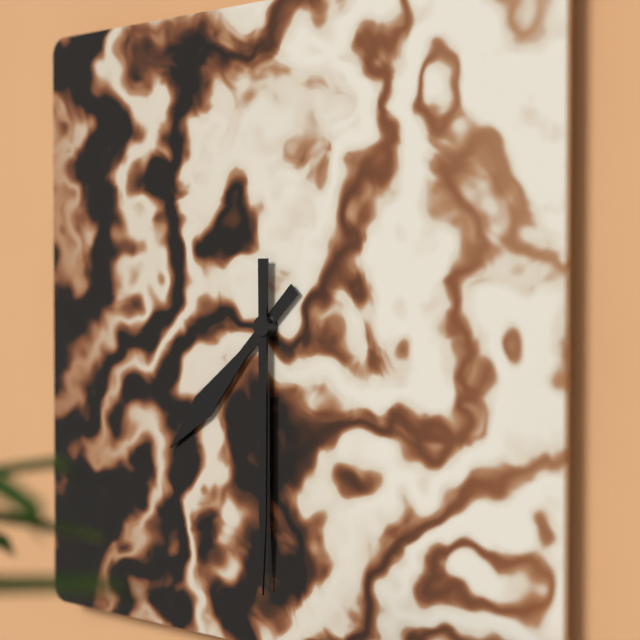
7:30
